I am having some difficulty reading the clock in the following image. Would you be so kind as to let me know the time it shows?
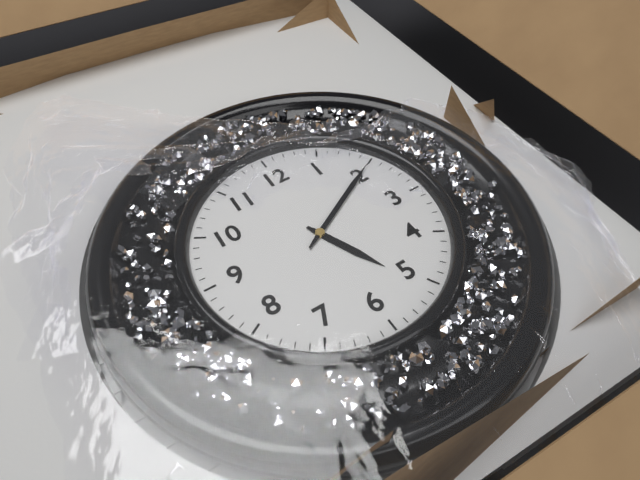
5:10
